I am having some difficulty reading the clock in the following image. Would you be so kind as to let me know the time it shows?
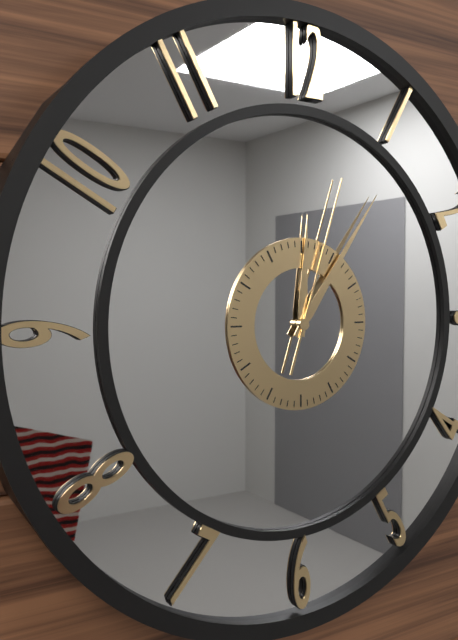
12:06:03
